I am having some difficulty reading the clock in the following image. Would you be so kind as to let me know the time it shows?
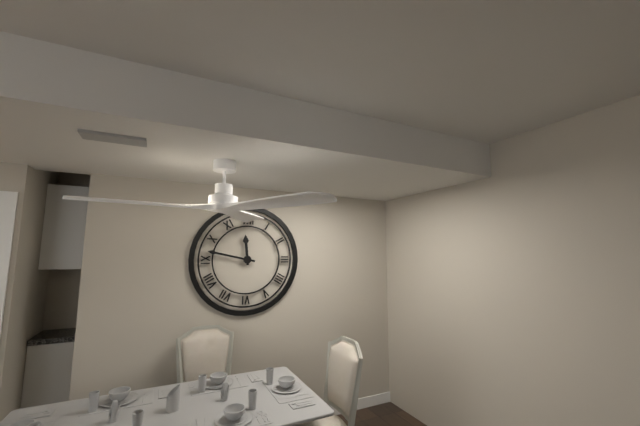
11:47
